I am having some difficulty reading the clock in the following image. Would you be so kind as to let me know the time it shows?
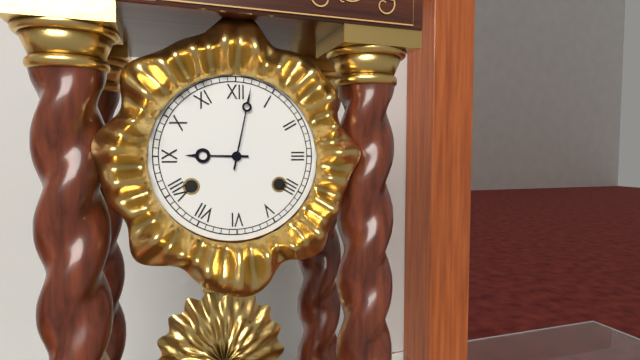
9:02
